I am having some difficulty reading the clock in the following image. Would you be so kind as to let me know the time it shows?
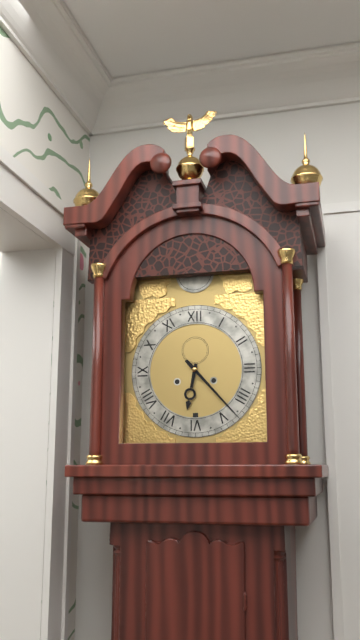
6:23
